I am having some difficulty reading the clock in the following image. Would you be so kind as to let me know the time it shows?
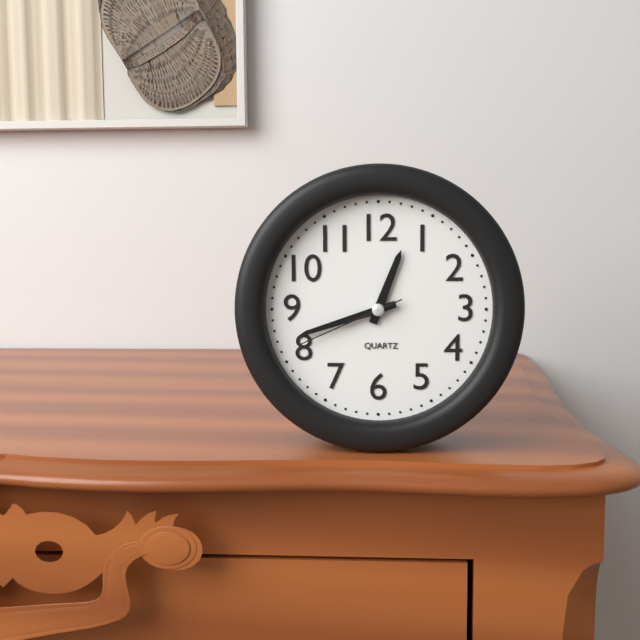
12:42:41
